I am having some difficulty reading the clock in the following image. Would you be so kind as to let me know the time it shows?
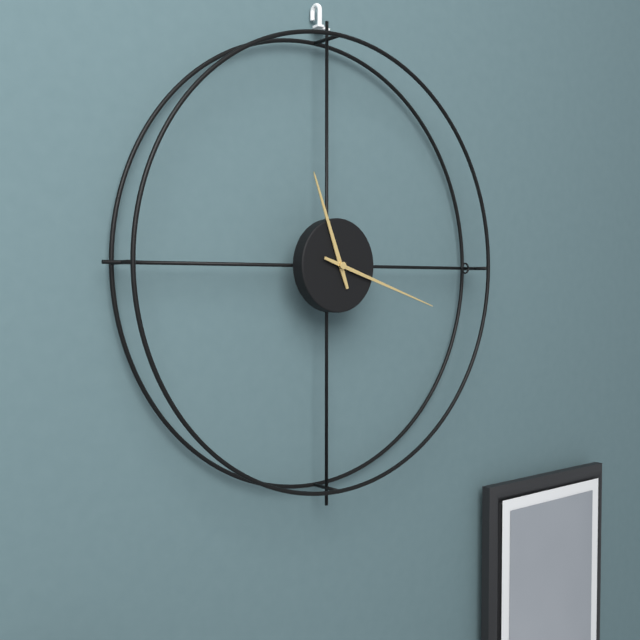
11:18
